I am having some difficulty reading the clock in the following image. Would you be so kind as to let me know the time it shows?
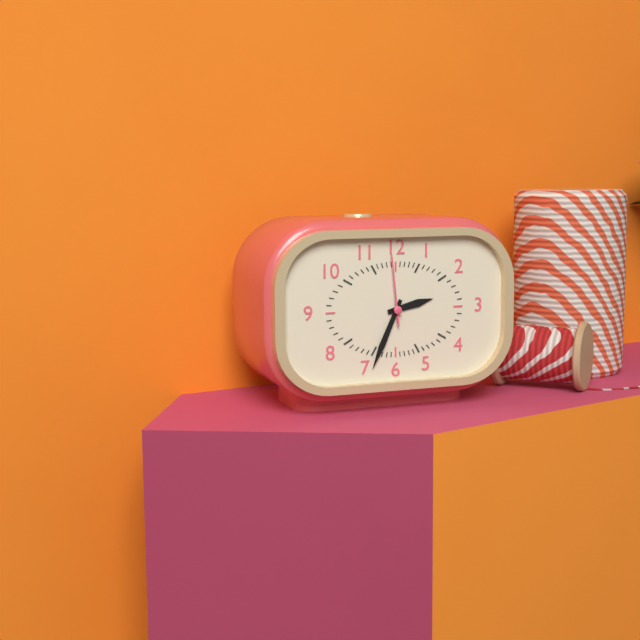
2:34:59
